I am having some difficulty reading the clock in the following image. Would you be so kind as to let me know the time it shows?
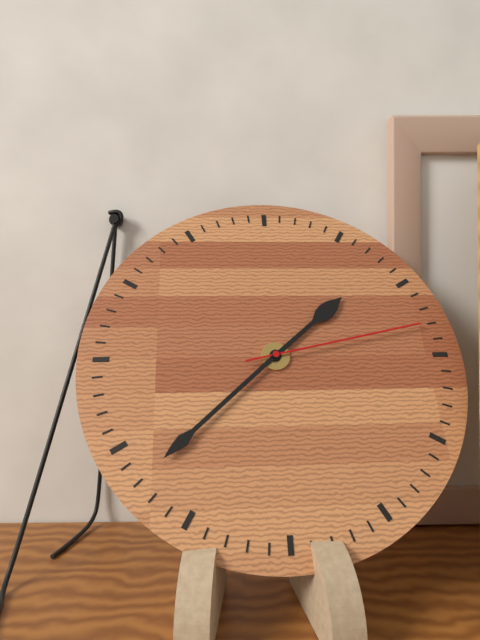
1:38:13
